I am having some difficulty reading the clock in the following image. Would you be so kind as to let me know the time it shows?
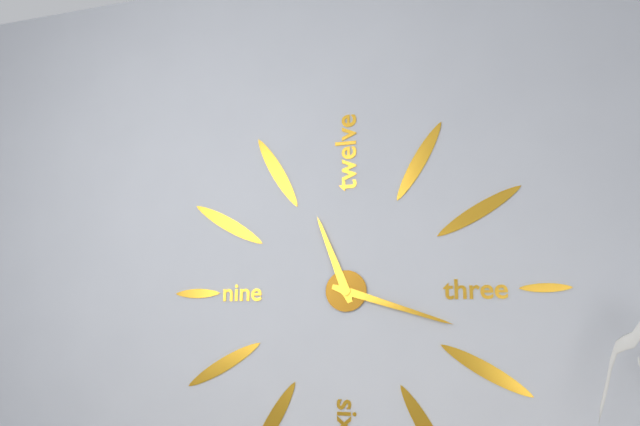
11:18
